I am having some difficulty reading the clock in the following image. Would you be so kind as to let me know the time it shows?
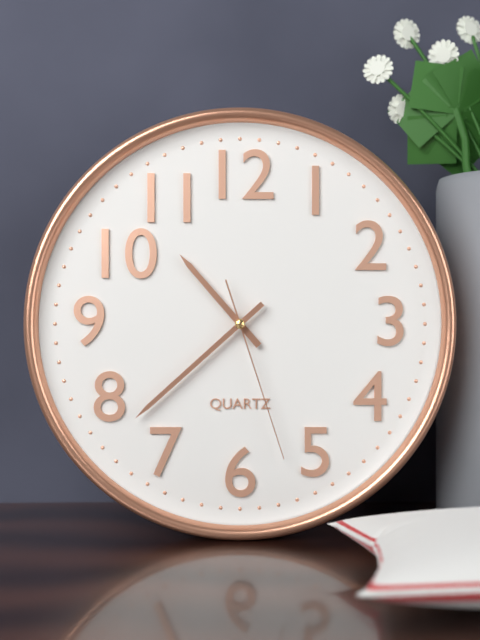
10:38:27
